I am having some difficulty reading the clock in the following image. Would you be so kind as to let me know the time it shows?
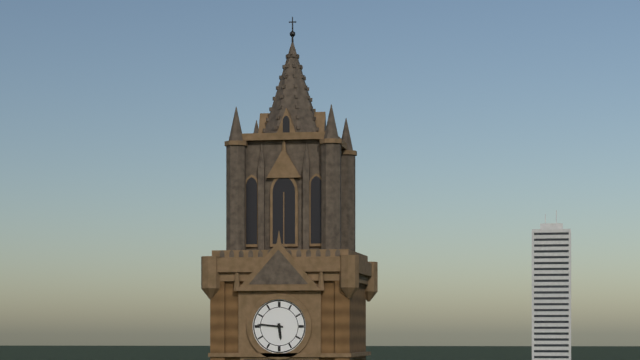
5:46
